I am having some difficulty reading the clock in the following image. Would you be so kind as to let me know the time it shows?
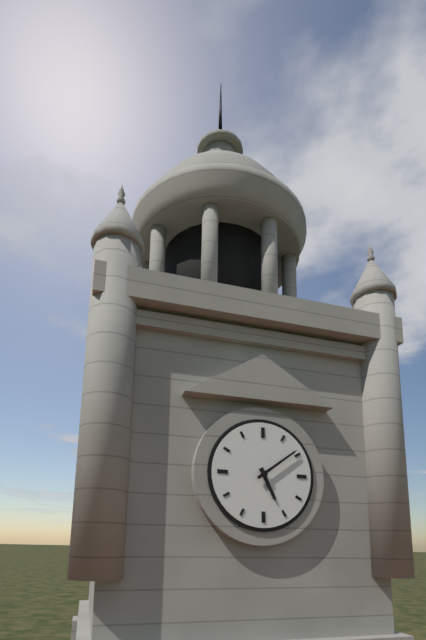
5:09
